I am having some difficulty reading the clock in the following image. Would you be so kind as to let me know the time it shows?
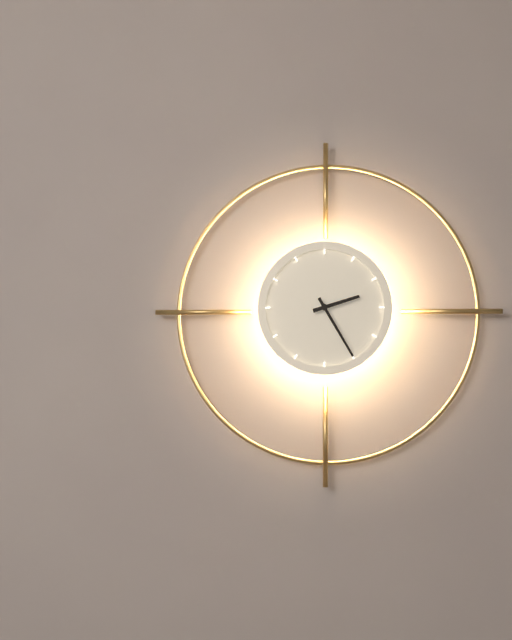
2:25
